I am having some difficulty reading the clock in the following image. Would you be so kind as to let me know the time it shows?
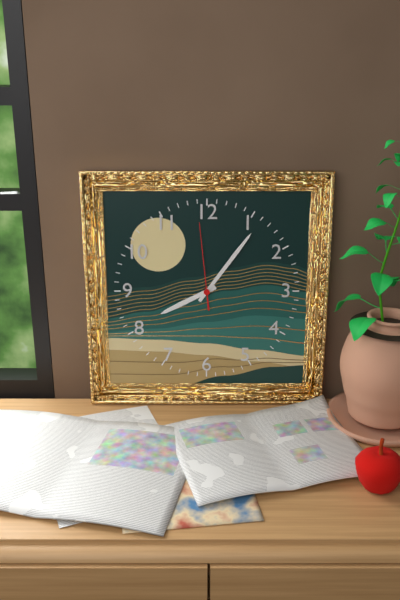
8:06:59
